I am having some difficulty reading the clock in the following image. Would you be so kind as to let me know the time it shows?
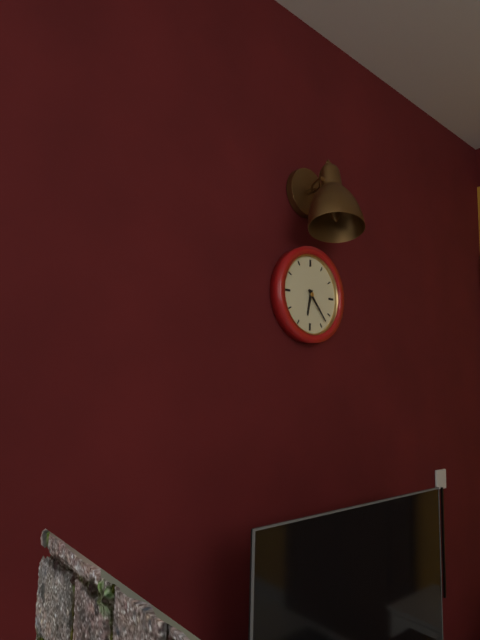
6:23
